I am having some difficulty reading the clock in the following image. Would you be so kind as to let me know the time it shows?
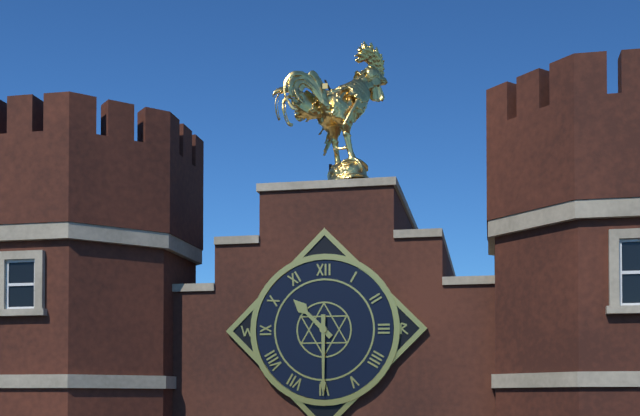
10:30
